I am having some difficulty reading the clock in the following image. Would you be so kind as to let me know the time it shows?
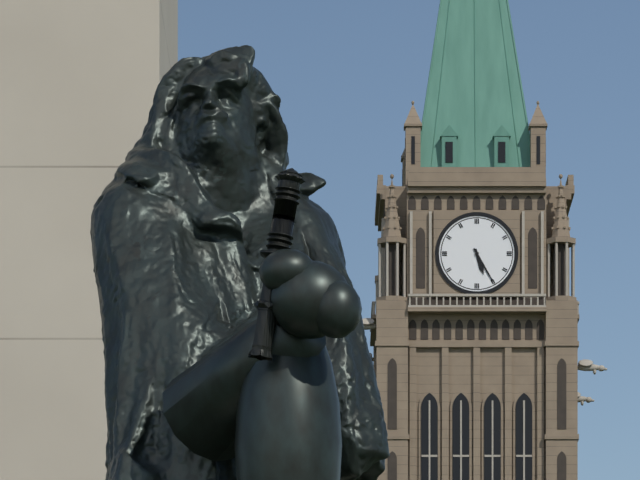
5:25
